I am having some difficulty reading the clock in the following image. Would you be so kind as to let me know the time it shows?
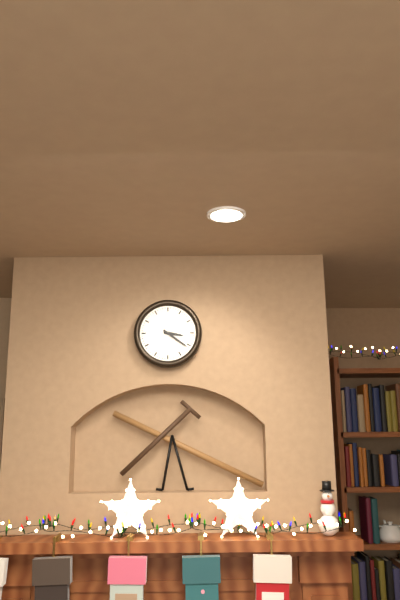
3:21
